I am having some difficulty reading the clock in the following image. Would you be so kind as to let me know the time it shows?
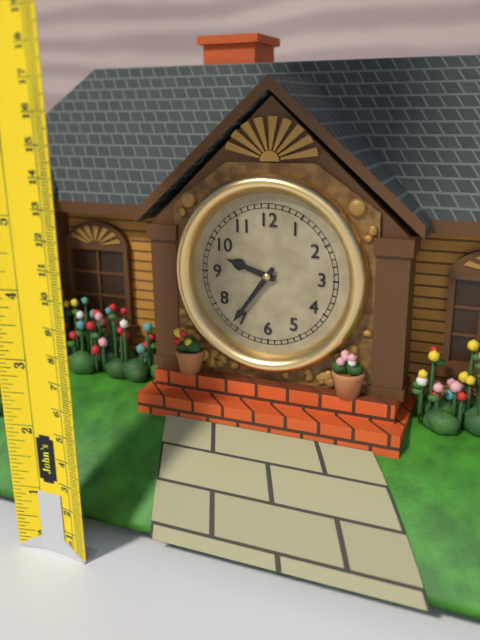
9:36
